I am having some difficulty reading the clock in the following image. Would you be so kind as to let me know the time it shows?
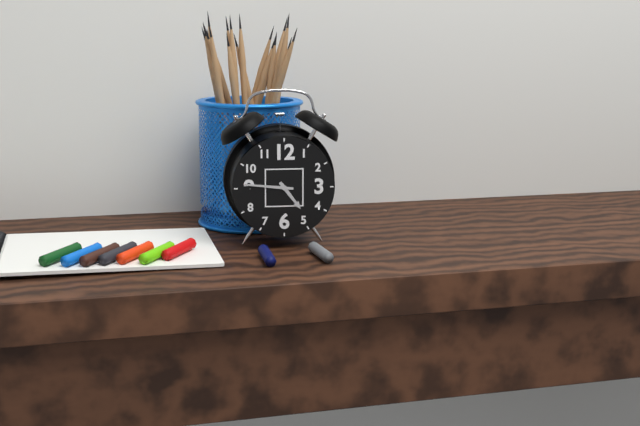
4:46
